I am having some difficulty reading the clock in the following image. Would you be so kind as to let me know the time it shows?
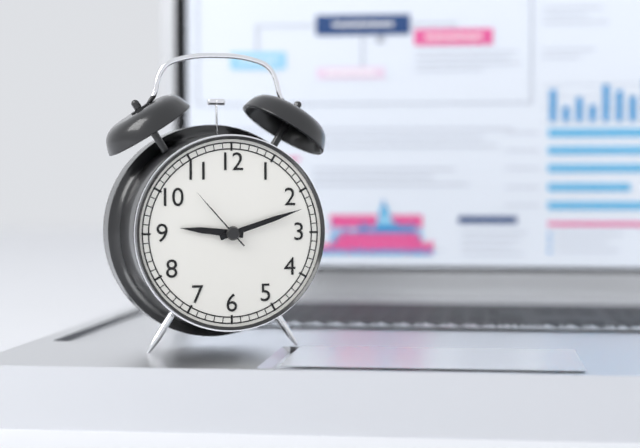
9:12:53
